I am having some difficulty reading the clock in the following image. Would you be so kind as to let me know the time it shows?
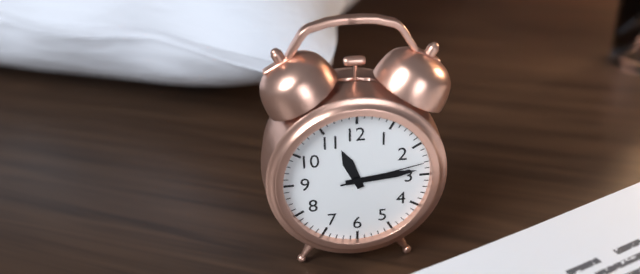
11:14:13
